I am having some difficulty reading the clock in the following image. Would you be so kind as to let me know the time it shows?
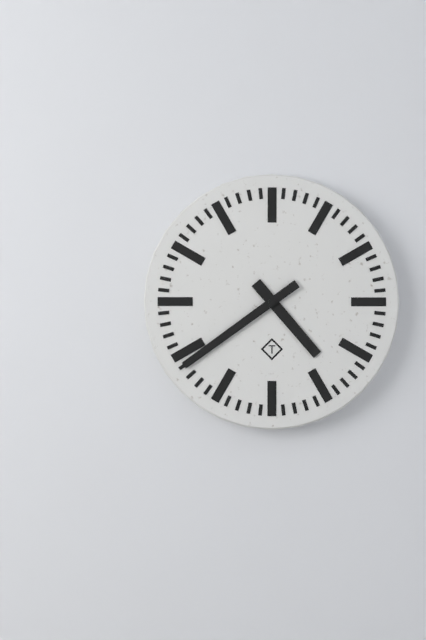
4:39
